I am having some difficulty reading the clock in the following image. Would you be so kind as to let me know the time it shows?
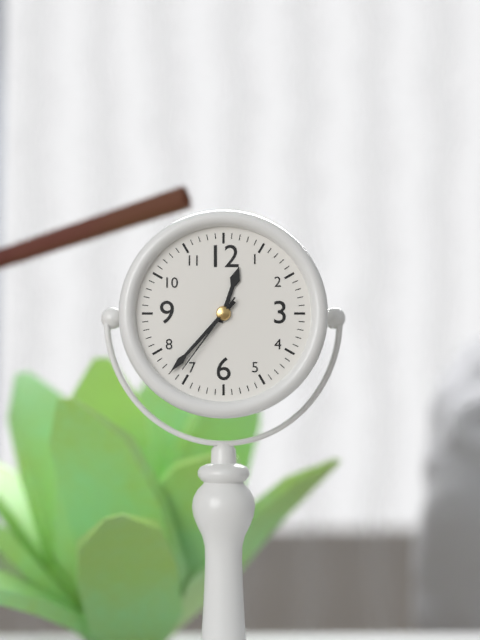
12:37:36
